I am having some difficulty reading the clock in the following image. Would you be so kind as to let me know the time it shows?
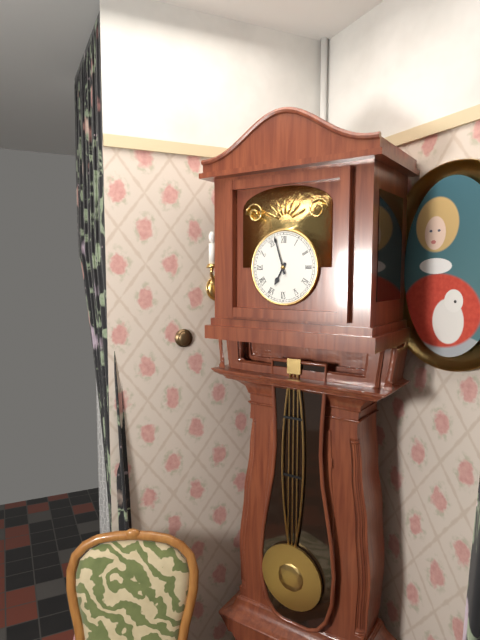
6:57
